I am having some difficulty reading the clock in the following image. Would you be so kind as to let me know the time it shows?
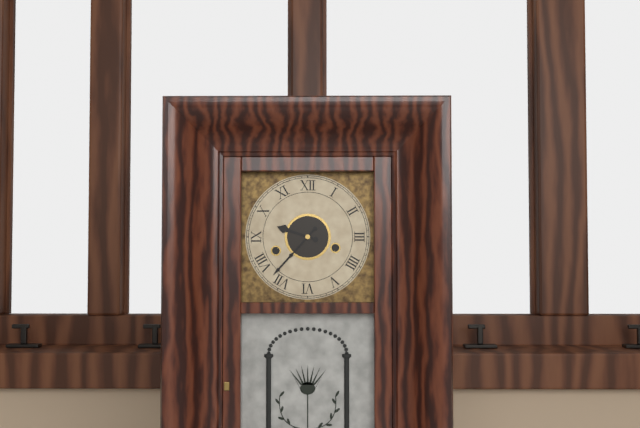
9:37
